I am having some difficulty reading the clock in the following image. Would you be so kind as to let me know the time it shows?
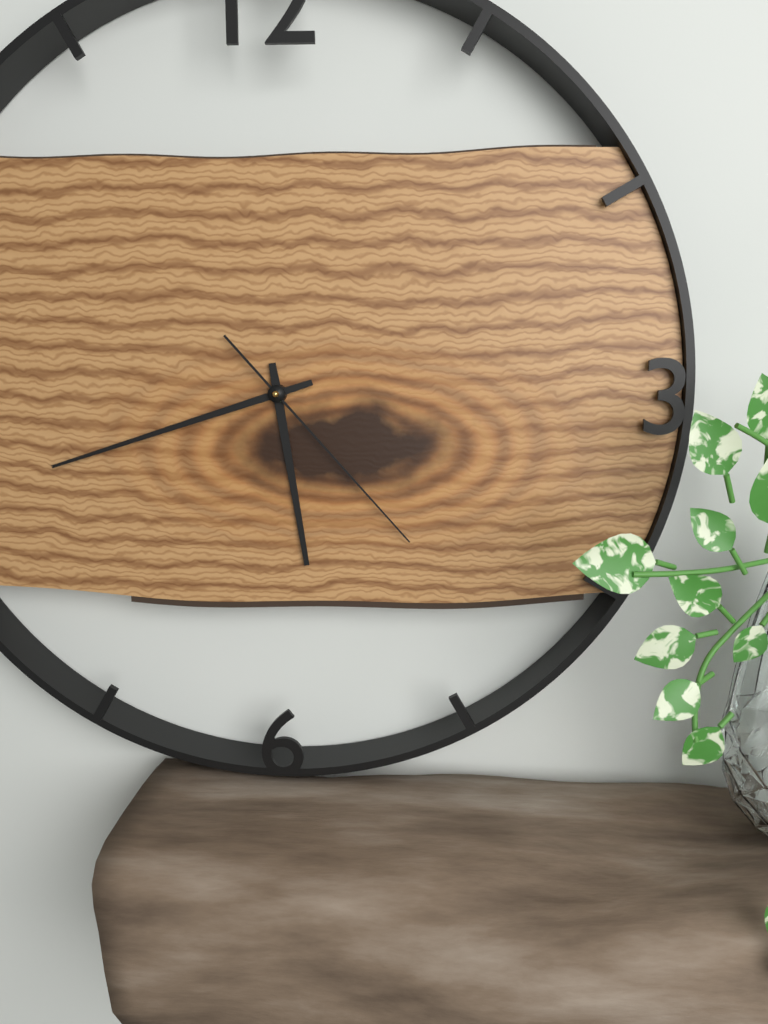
5:42:23
